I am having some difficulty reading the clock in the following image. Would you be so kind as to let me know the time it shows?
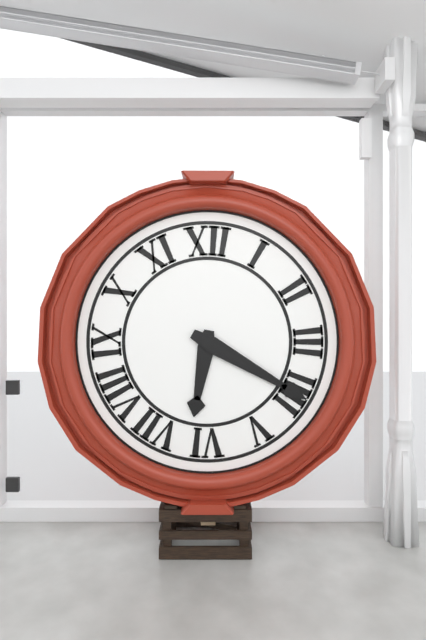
6:20
